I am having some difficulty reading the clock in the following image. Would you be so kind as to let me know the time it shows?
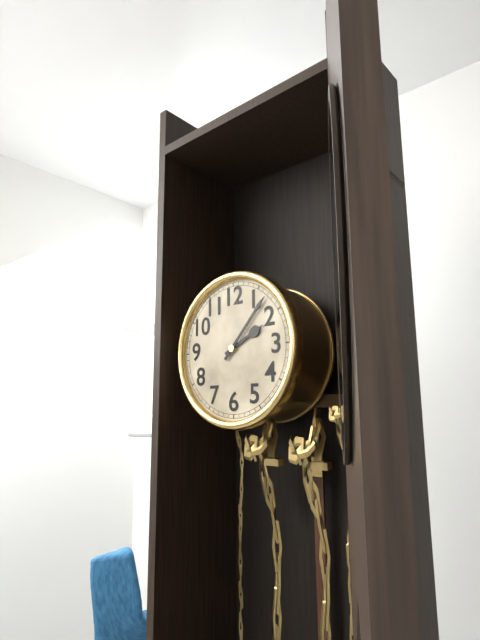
2:07
